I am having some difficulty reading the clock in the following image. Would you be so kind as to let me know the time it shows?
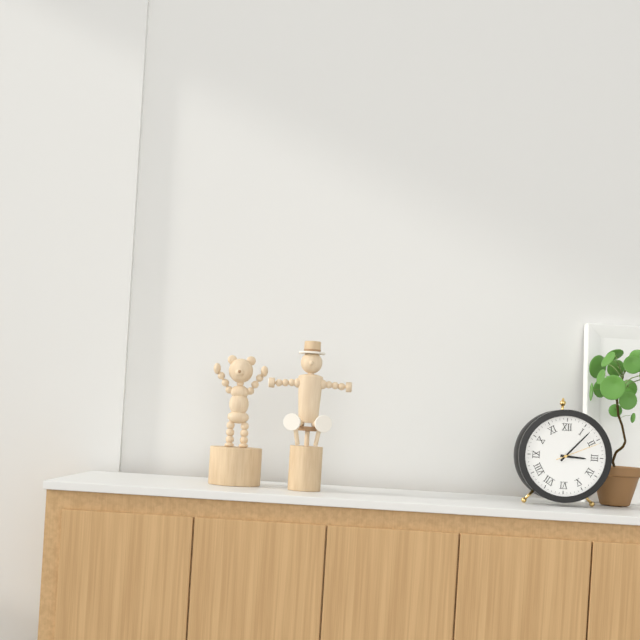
3:07
